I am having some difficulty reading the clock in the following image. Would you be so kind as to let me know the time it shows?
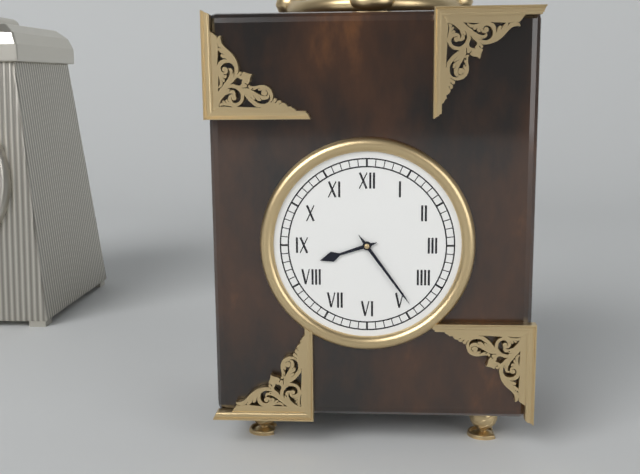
8:24
